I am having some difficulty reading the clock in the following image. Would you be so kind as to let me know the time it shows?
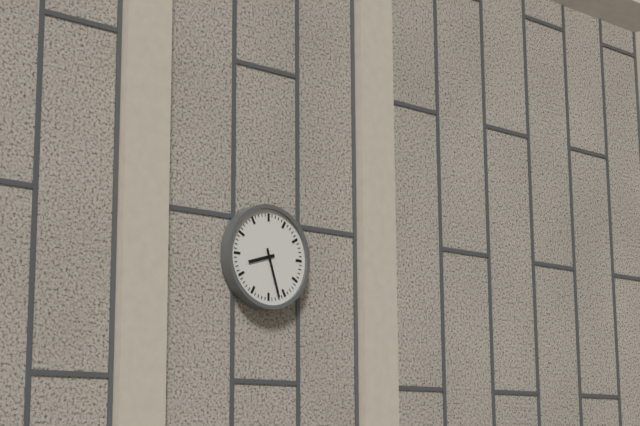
8:27
